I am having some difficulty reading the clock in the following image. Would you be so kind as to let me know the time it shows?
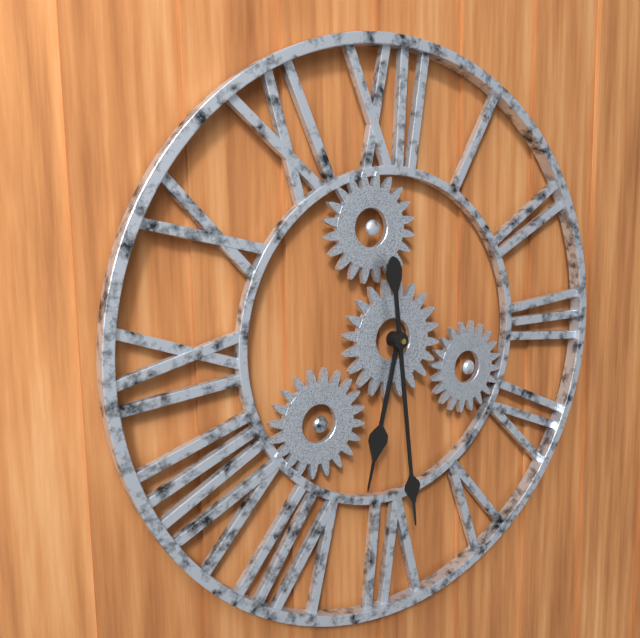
6:29
